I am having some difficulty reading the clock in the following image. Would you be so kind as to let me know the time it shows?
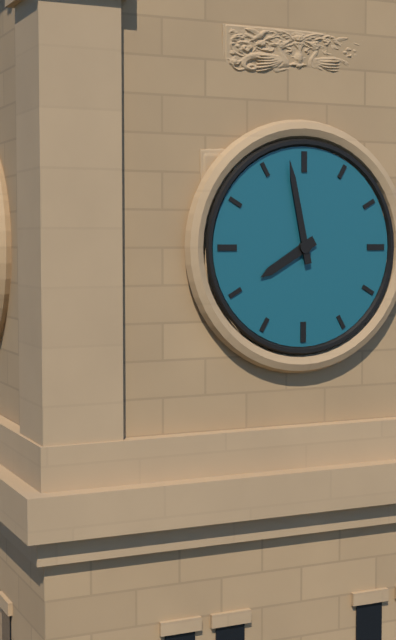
7:58
